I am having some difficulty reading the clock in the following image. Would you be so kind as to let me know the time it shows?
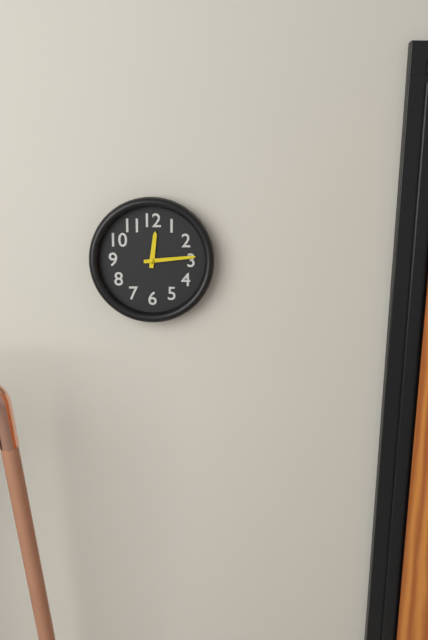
12:14
